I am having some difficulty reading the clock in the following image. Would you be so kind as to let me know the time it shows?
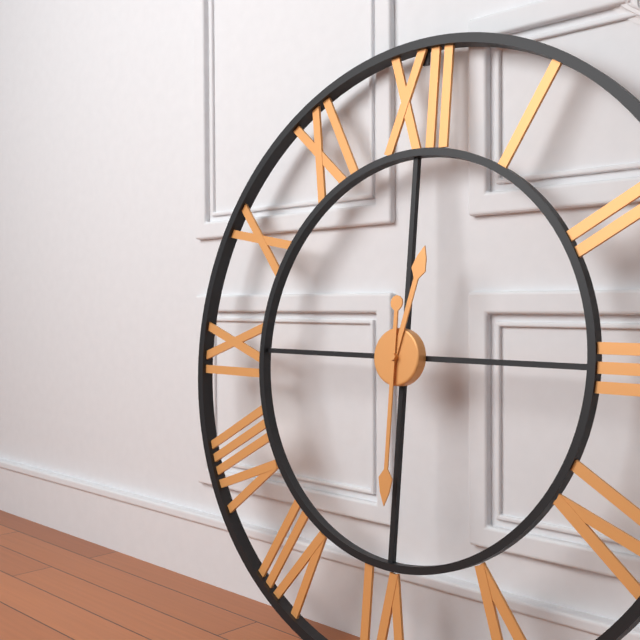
12:30
